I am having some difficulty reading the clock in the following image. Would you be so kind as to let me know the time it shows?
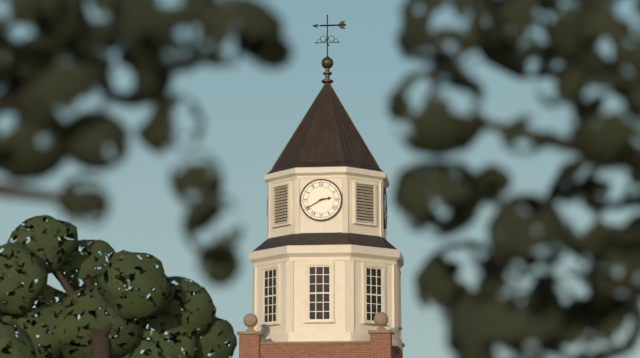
2:40
